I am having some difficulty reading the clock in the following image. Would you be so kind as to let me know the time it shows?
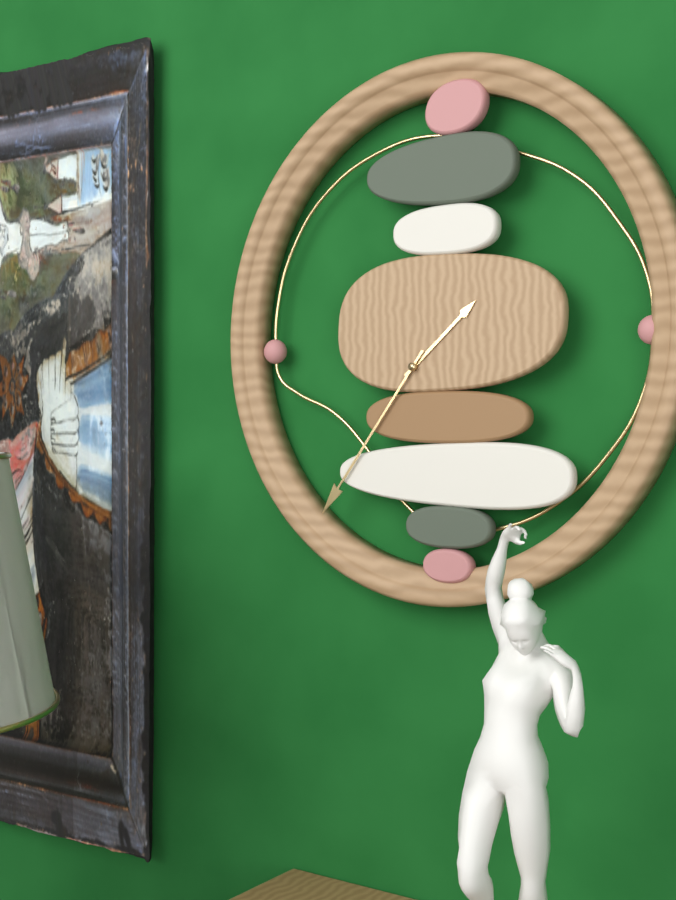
1:36
